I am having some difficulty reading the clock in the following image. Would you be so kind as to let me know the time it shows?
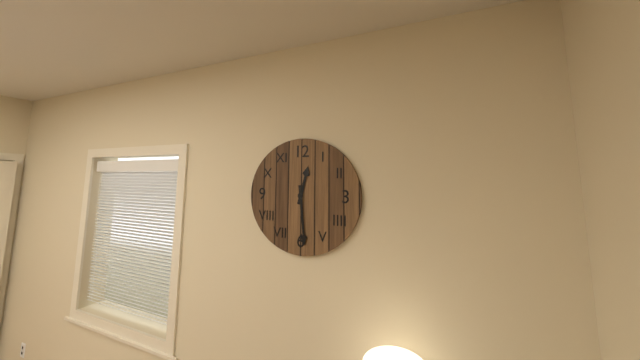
12:29
